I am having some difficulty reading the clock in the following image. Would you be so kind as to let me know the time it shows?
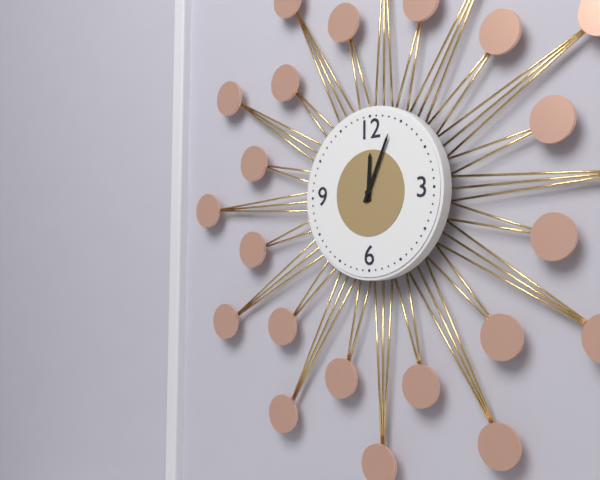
12:04
